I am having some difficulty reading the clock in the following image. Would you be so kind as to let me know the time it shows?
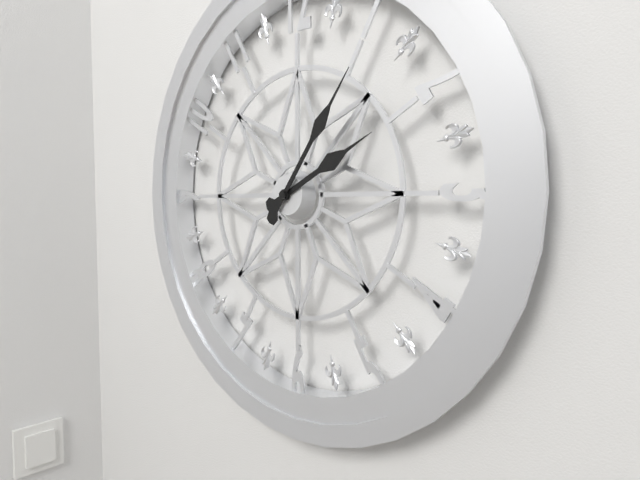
2:06
